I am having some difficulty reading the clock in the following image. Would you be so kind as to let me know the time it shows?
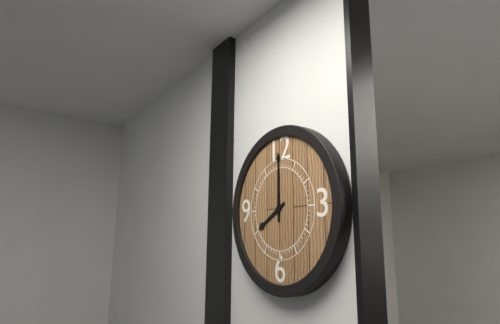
8:00
